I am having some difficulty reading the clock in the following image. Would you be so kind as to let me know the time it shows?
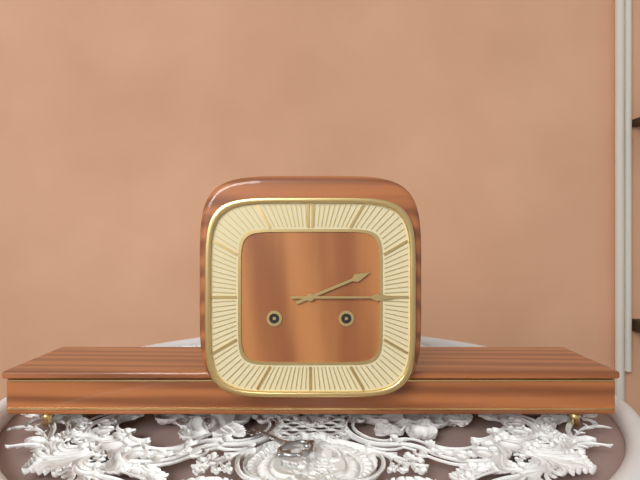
2:15
